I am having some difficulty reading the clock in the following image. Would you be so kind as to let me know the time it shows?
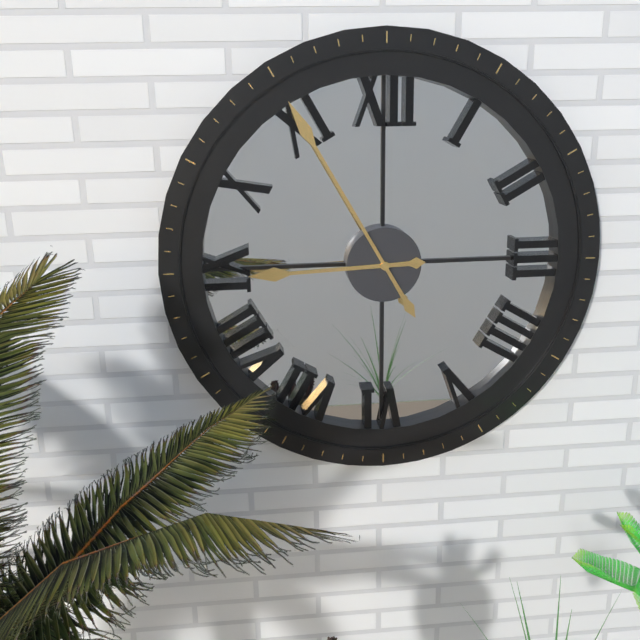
8:55
